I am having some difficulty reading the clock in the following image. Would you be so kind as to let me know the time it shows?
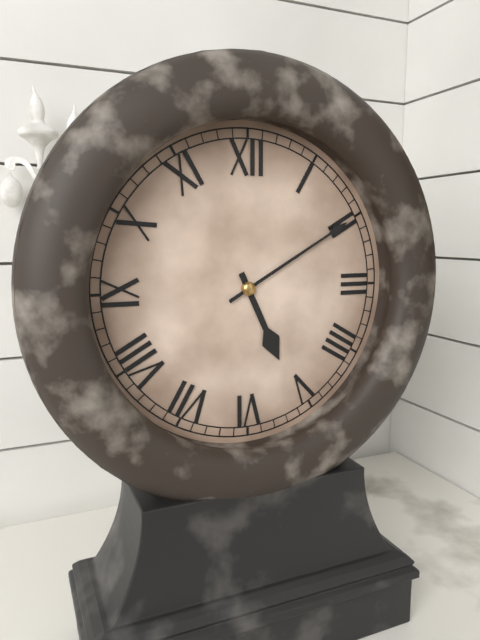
5:10
